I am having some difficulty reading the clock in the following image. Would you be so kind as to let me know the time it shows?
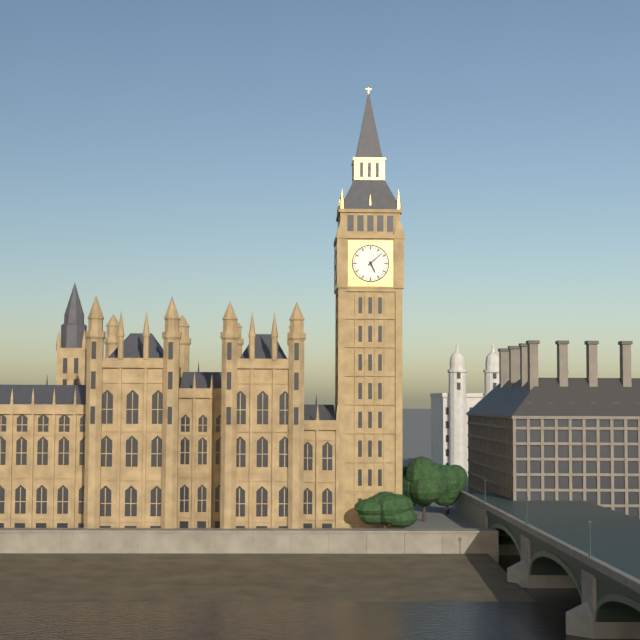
5:08
